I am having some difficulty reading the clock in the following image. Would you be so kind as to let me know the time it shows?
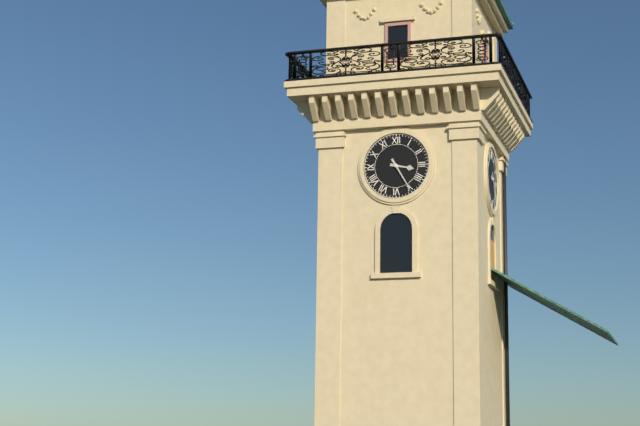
3:25
